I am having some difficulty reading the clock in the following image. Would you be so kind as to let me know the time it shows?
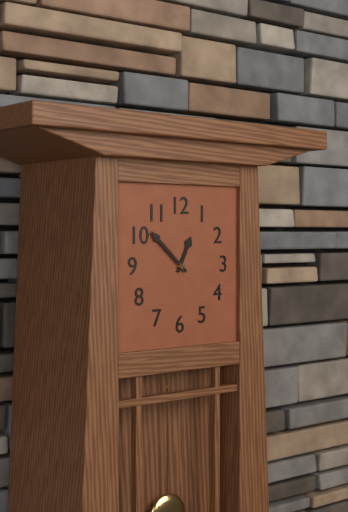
12:52
